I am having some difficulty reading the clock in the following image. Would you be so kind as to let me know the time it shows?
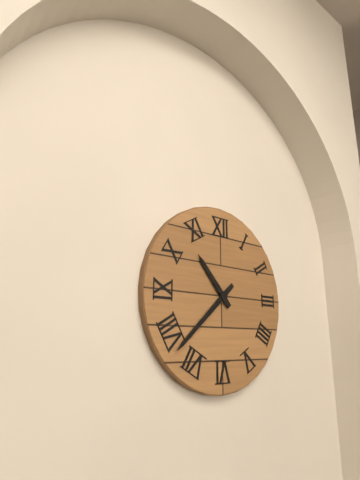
10:38
